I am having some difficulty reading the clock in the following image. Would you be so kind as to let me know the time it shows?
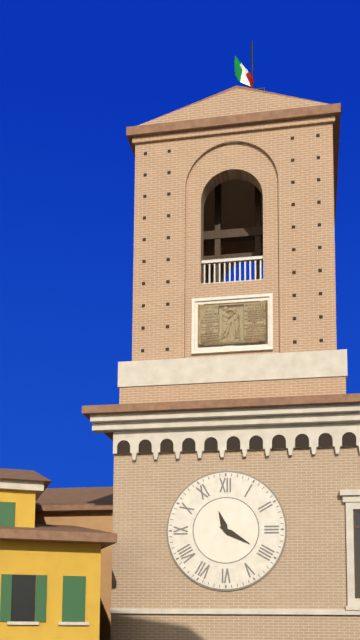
11:20
